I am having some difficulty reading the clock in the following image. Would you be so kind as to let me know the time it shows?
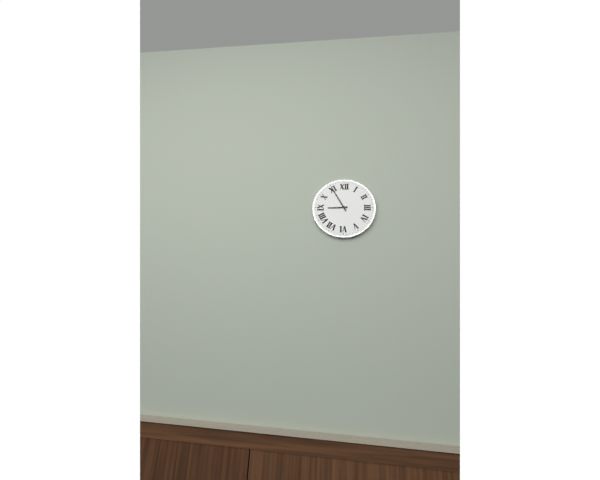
8:55
